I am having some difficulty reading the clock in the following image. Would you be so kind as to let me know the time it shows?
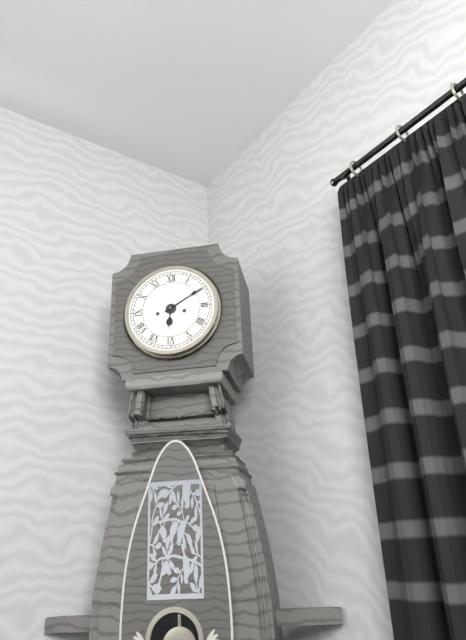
6:10
